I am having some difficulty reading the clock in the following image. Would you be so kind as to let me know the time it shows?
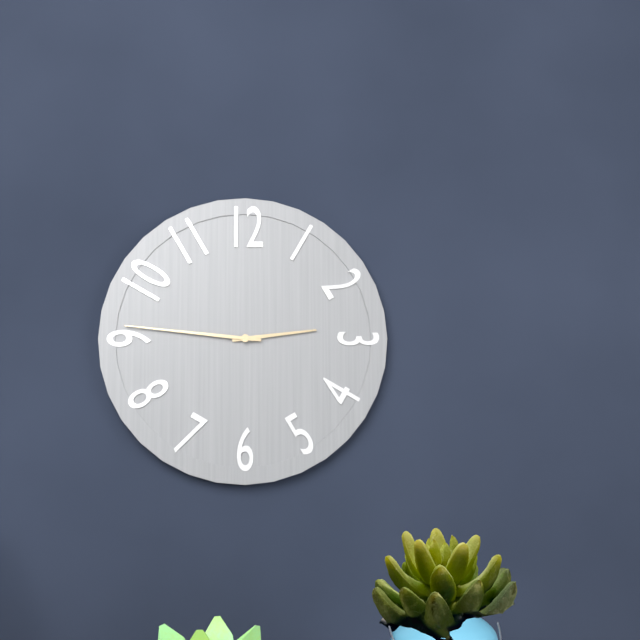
2:46
